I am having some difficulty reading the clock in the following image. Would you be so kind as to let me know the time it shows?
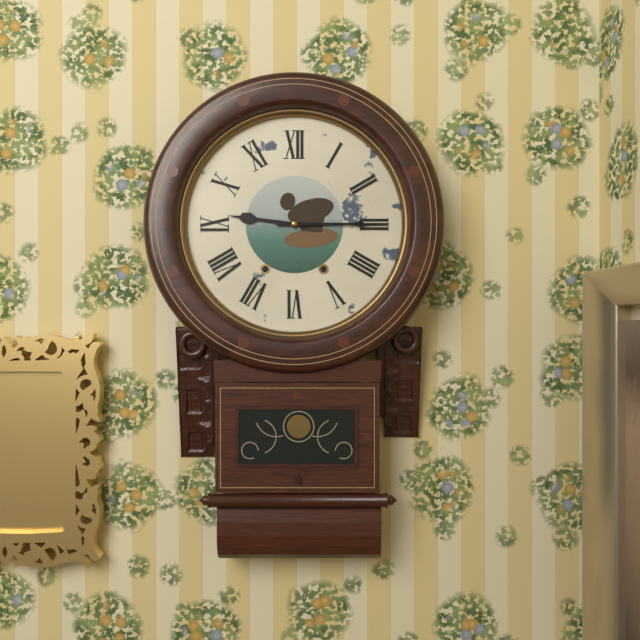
9:15
